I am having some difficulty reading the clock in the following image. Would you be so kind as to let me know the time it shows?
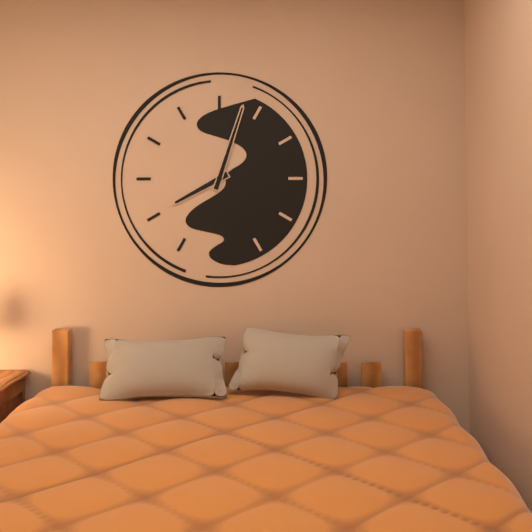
8:03
